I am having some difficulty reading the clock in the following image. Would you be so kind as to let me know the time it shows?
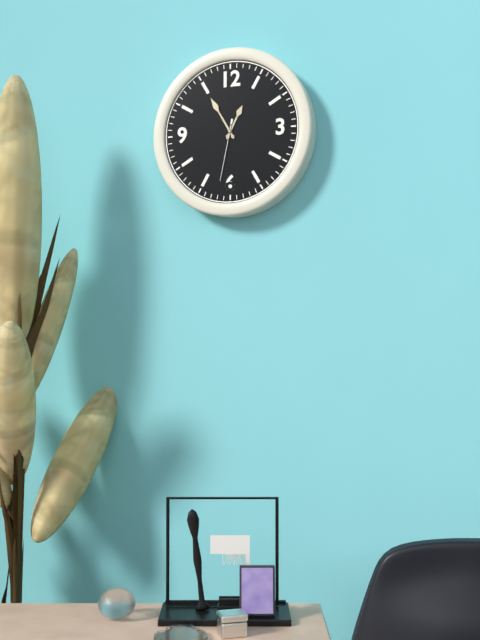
12:55:32
